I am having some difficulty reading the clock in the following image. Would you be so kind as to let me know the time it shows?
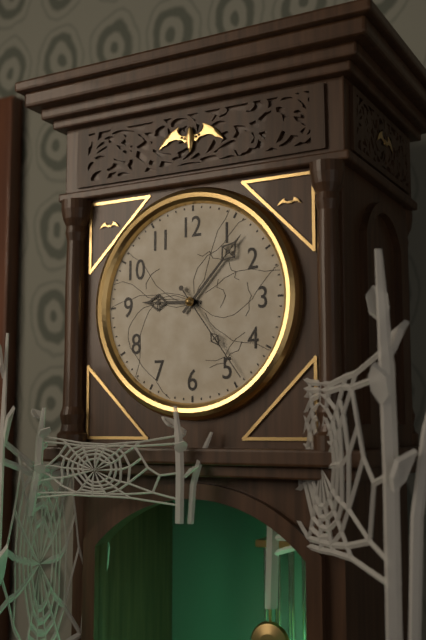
9:07:24
